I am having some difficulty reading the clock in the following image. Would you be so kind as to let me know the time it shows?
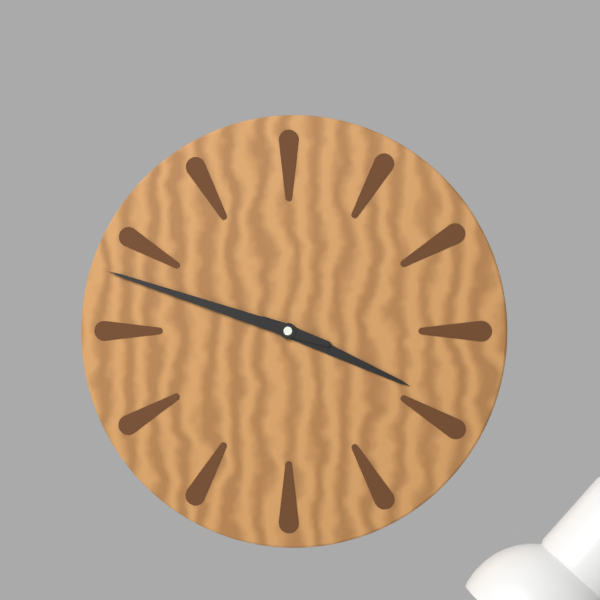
3:48
